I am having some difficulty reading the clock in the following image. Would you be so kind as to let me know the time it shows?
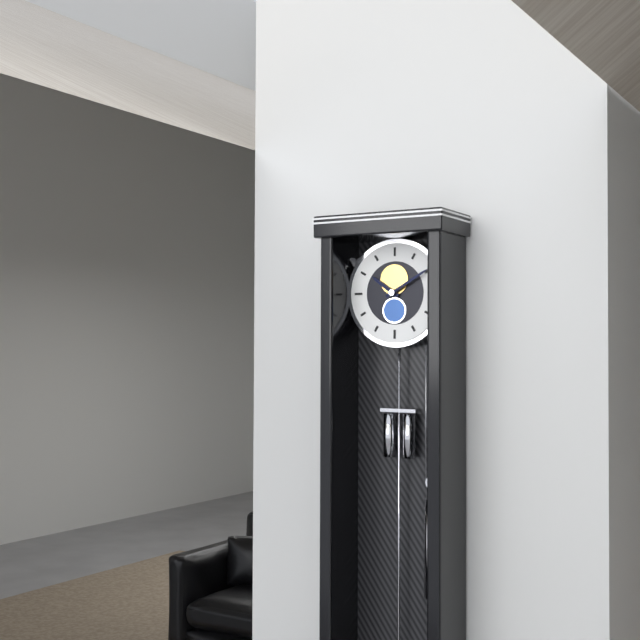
10:10
